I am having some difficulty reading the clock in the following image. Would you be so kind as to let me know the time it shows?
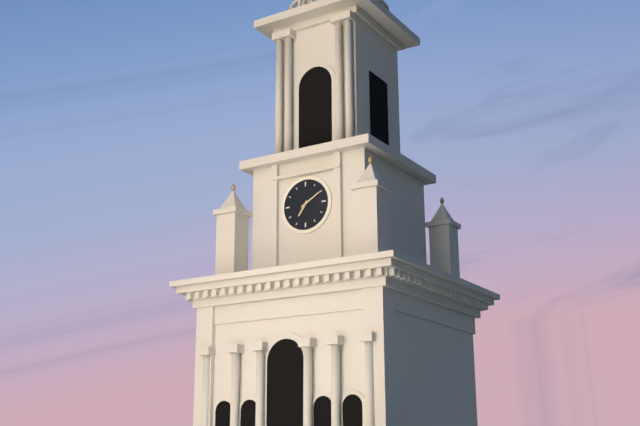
7:10
